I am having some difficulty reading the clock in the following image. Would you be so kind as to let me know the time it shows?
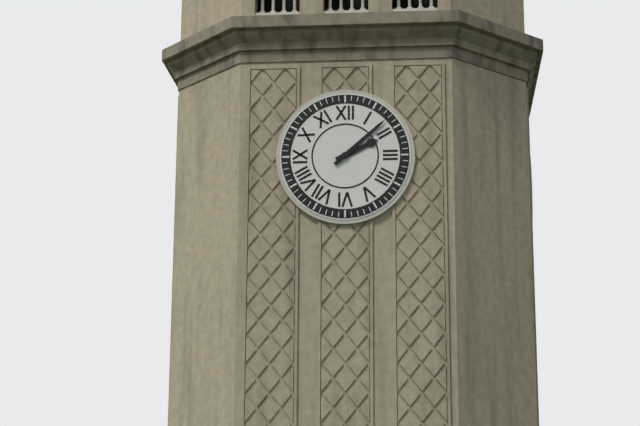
2:08
